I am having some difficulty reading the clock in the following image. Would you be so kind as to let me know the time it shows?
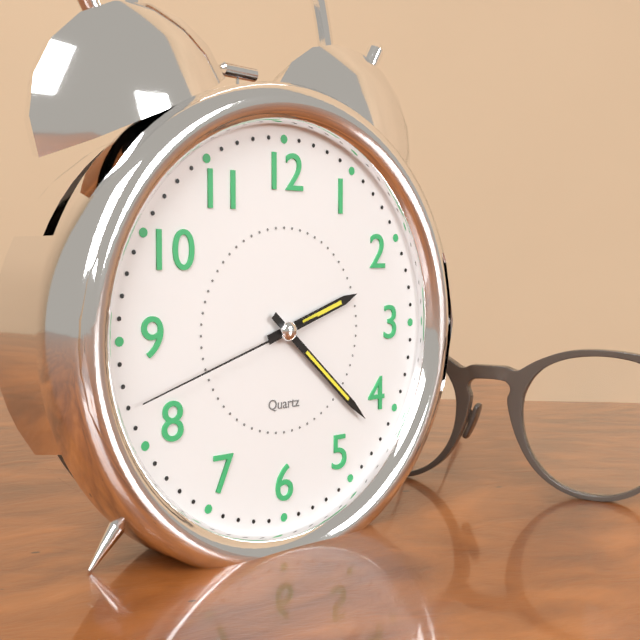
2:22:42
